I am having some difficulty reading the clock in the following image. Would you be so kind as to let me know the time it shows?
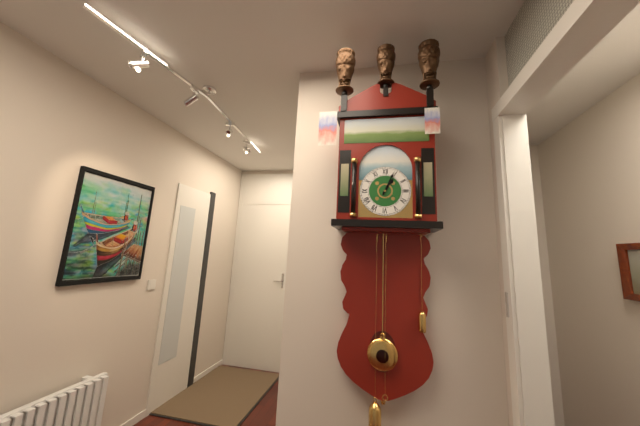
1:04
